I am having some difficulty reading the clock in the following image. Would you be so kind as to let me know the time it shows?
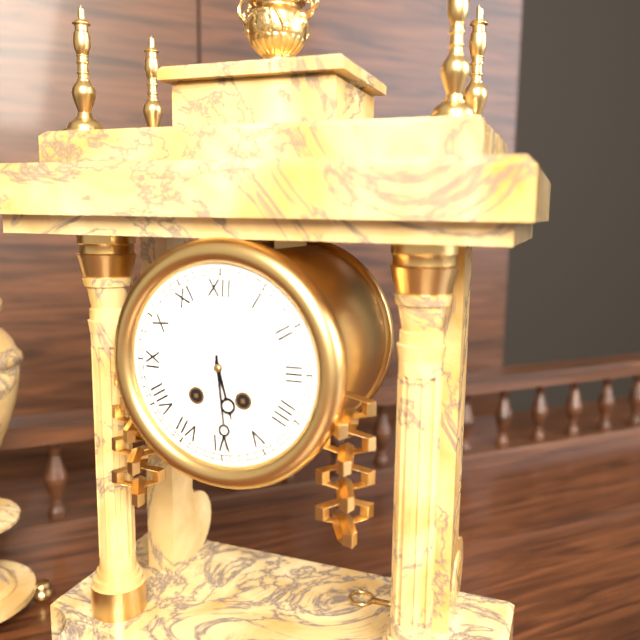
5:29
